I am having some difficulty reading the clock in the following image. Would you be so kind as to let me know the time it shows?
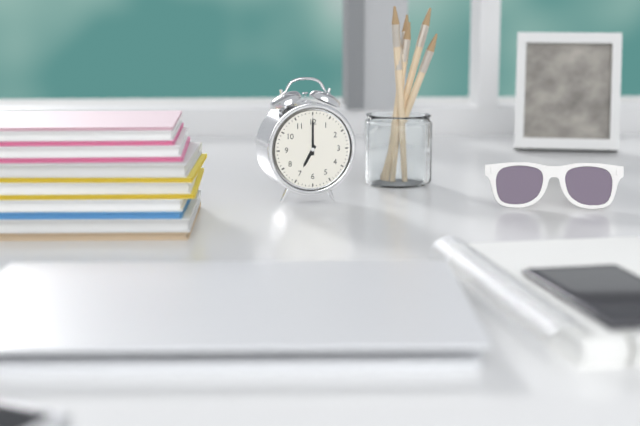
7:00
